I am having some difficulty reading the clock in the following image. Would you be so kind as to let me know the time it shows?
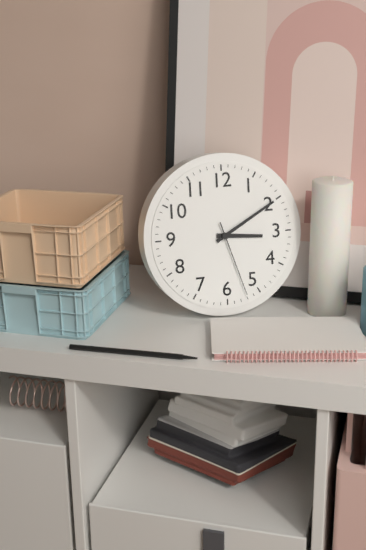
3:10:27
